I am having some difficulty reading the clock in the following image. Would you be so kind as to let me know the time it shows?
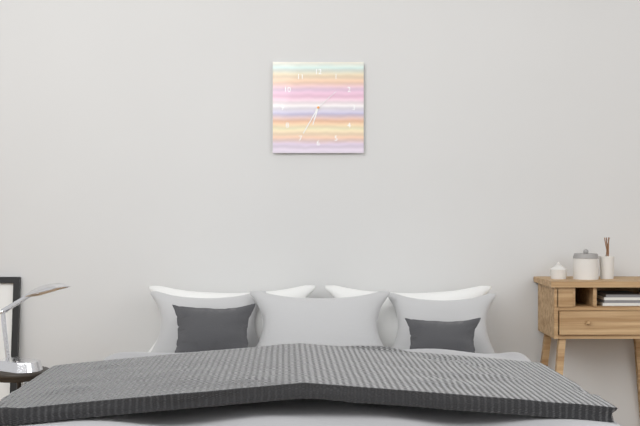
6:35
